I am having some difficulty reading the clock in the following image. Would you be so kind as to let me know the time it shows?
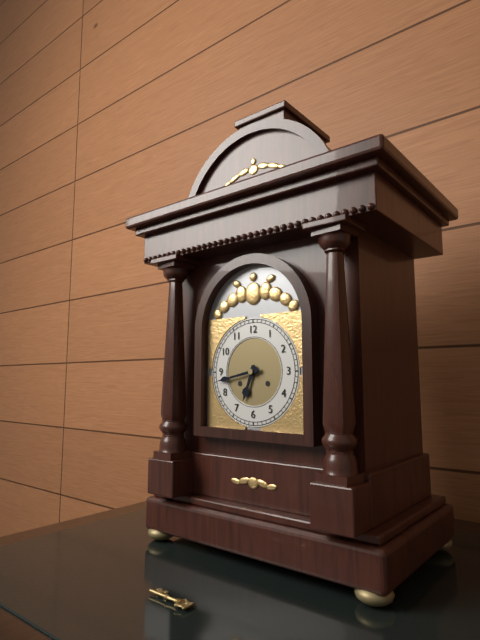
6:43
